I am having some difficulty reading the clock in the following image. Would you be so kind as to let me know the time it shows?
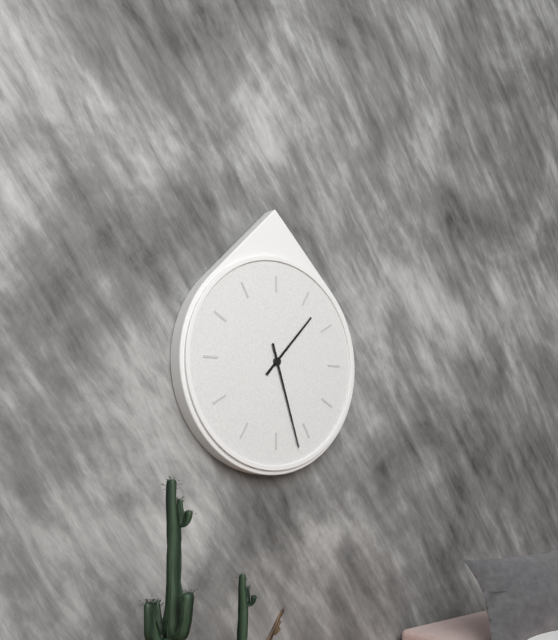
1:27
